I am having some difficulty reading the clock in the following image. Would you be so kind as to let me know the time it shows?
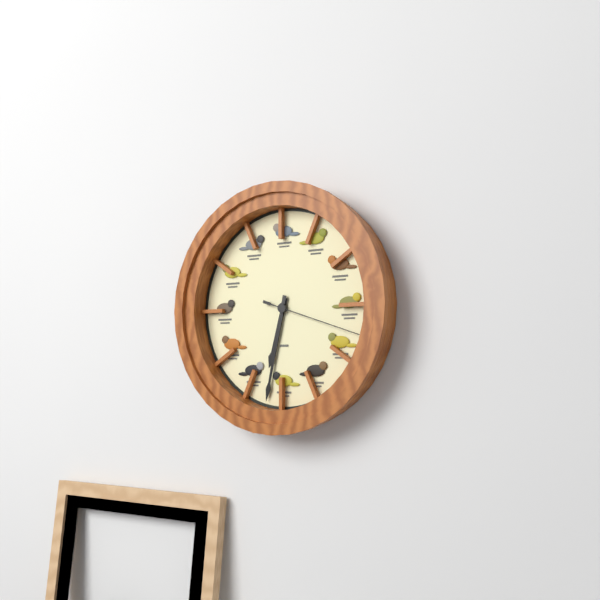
6:32:18
